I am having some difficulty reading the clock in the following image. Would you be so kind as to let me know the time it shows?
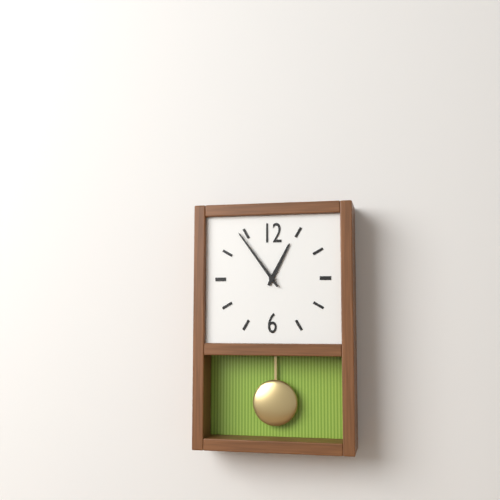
12:54
